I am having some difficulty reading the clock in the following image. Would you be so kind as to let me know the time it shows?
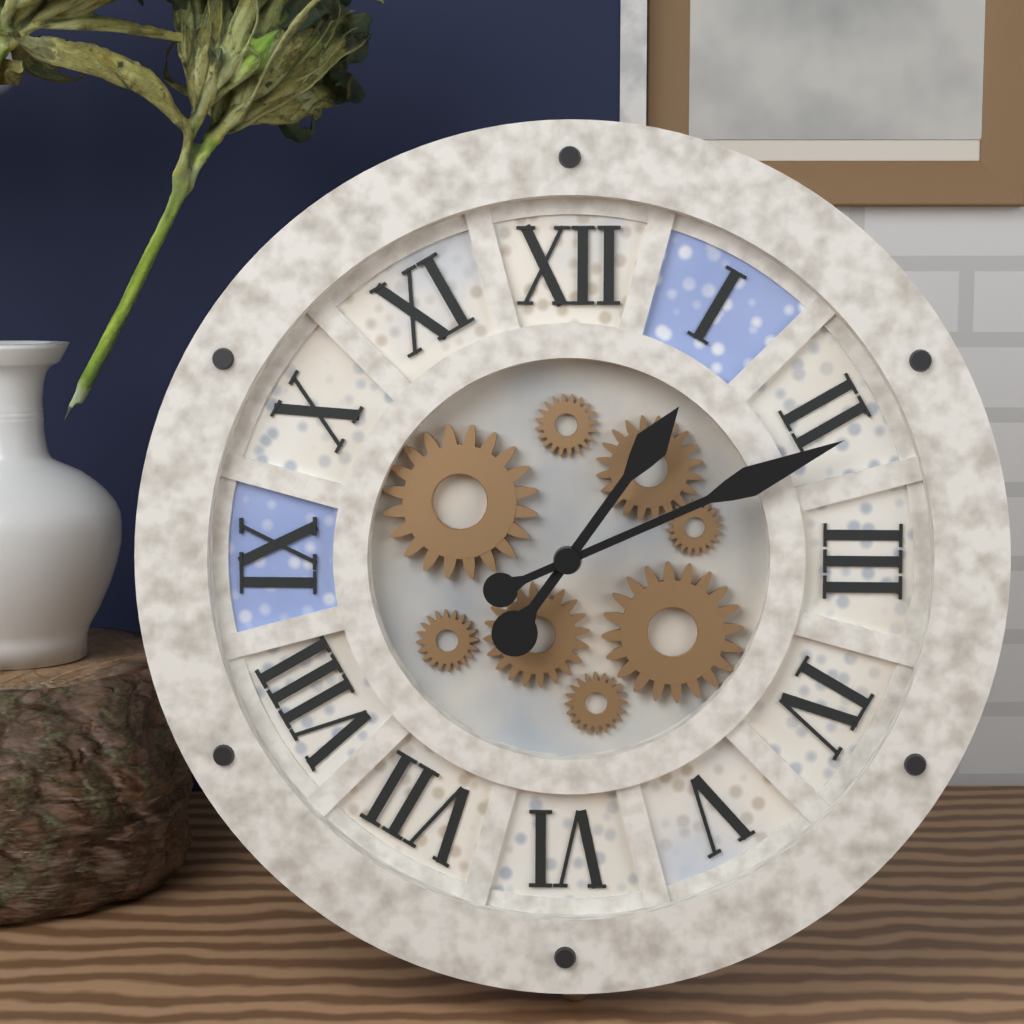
1:11
